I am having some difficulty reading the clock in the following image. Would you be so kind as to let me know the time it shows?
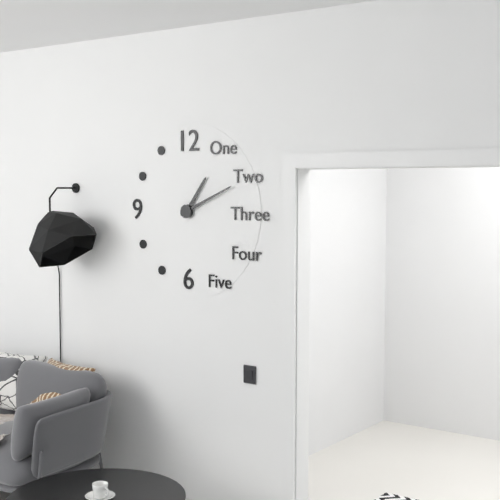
1:11
